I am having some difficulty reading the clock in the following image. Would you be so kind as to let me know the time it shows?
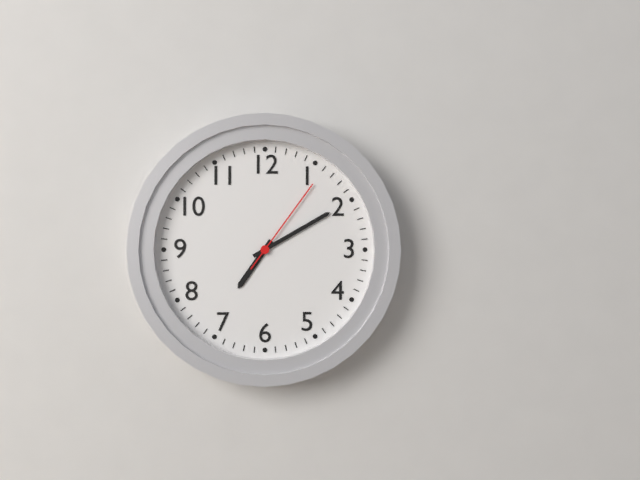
7:10:06
